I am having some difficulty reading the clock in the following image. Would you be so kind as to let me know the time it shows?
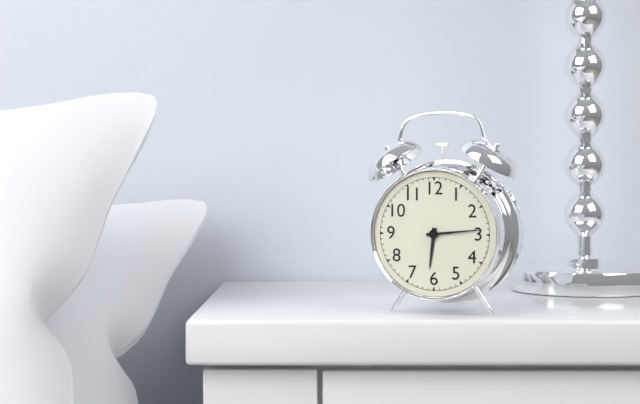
6:14
